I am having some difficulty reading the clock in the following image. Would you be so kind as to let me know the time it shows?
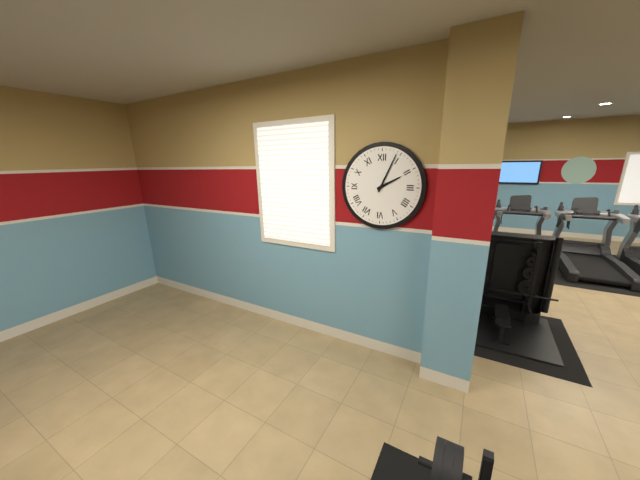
2:04
